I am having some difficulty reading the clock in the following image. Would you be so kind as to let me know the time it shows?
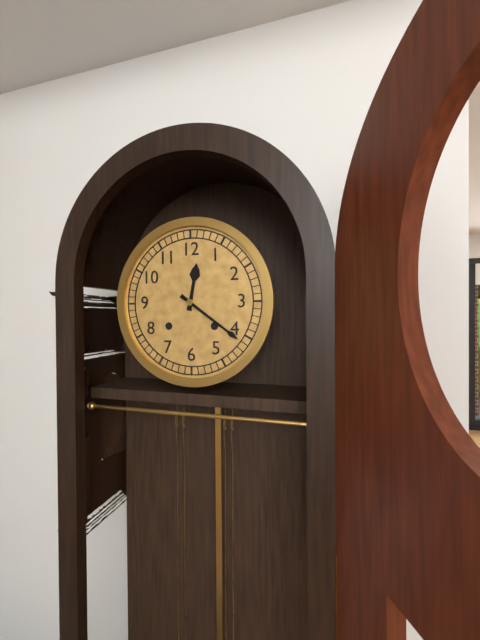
12:21
